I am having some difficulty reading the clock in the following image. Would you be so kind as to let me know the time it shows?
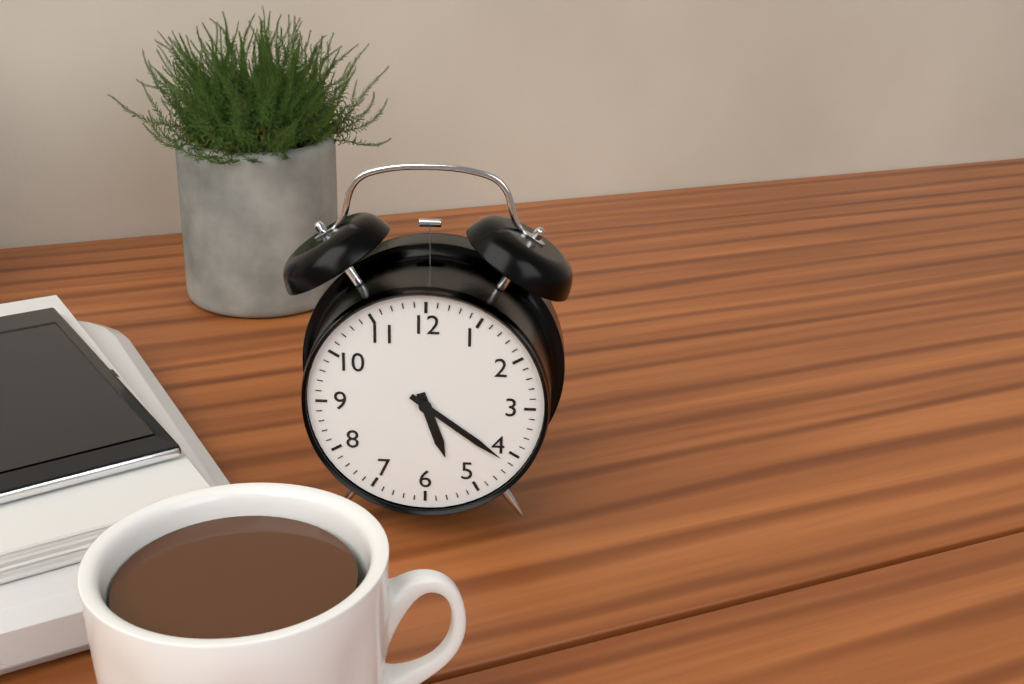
5:21
